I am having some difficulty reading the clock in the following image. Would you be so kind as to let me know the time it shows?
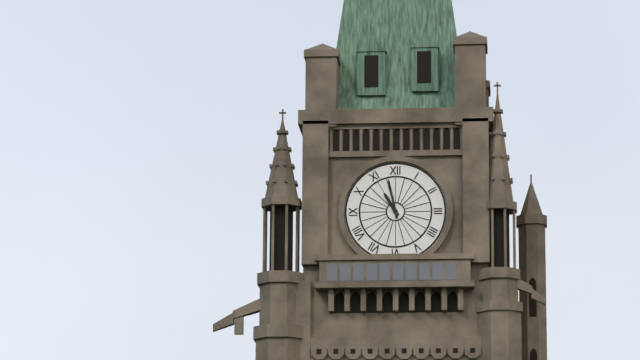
10:58
